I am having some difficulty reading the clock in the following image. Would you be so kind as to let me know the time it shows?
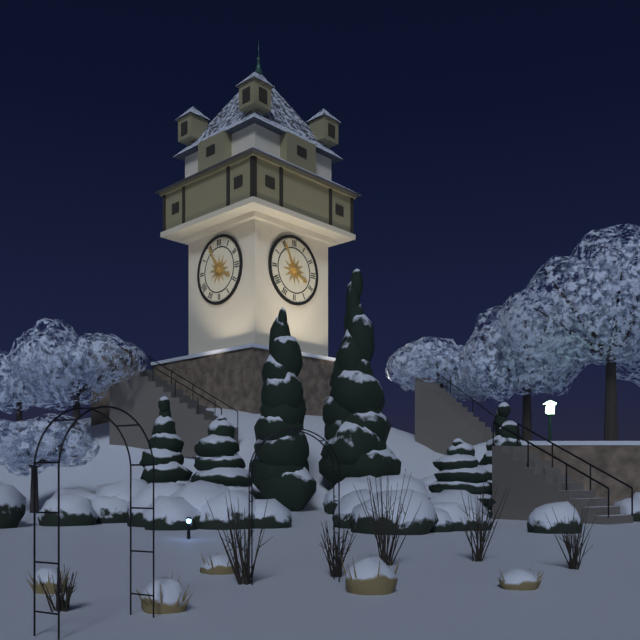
3:55
